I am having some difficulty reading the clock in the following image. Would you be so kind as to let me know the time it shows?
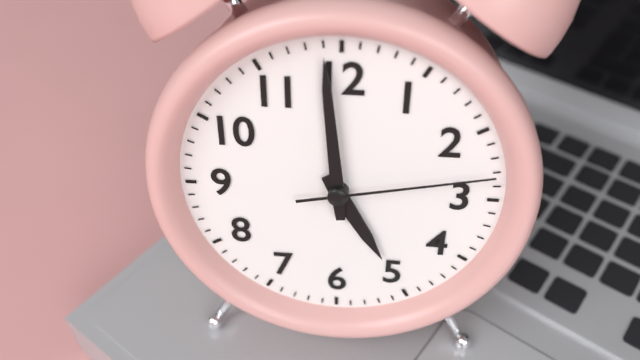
4:59:13
